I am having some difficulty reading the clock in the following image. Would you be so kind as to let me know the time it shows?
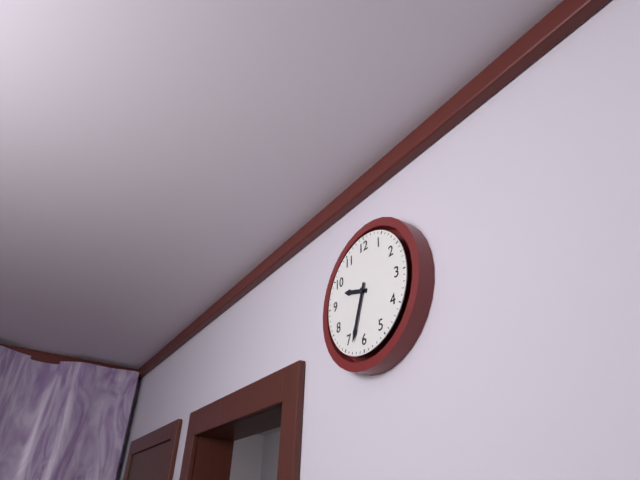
9:33
